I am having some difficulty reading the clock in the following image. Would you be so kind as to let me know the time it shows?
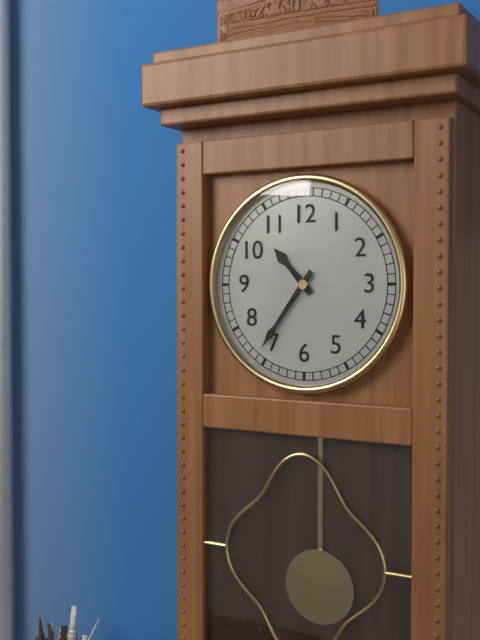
10:36
